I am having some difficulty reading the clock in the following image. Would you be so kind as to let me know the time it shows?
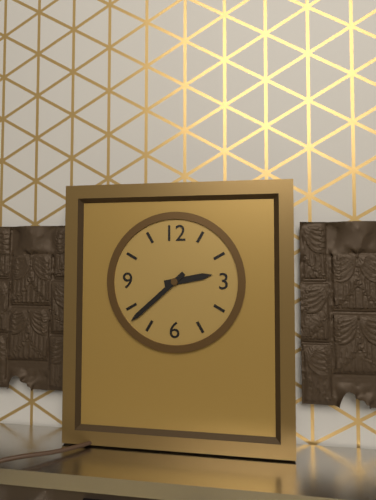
2:38
